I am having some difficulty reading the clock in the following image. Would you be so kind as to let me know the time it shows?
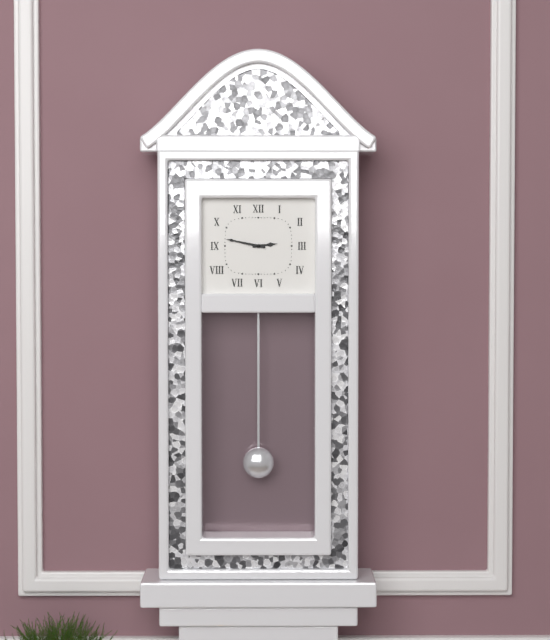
2:47
